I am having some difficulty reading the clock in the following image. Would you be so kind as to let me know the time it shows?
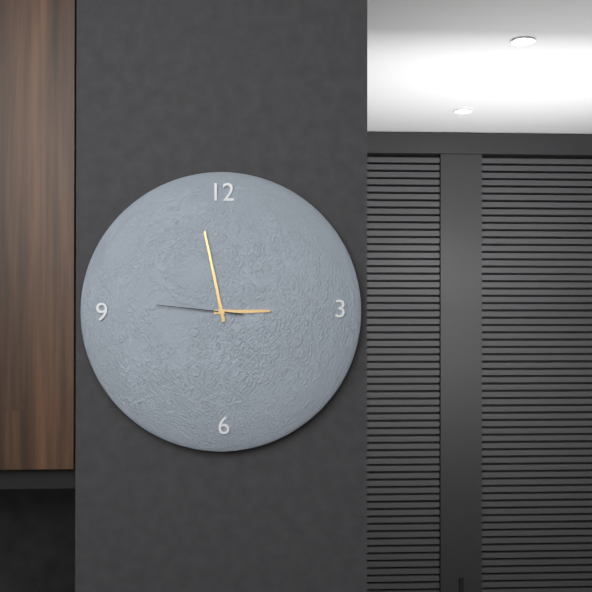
2:58:46
